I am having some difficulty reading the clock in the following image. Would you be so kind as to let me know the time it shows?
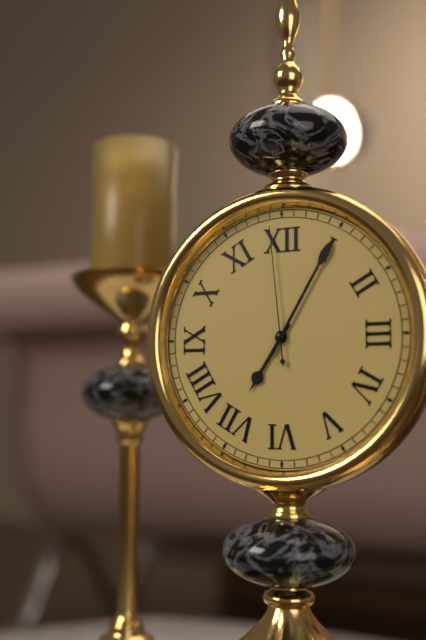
7:05:59
